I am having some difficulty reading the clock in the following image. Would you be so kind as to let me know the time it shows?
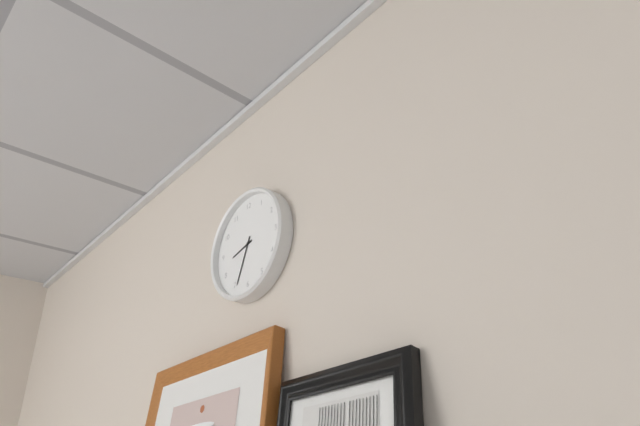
8:34
